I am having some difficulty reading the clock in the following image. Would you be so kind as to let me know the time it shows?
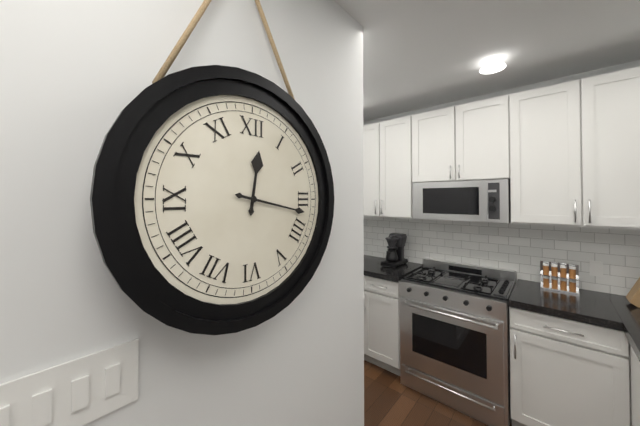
12:17
